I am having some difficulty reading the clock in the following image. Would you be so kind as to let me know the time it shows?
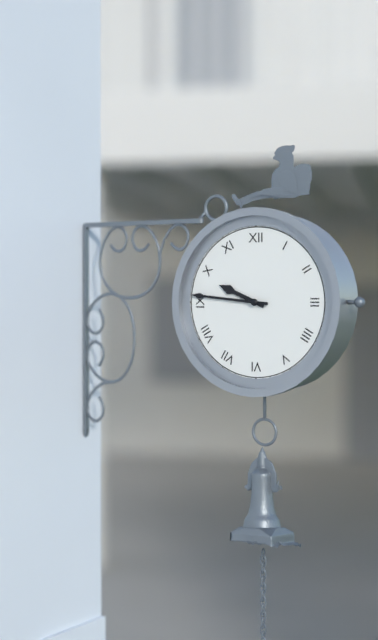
9:46
